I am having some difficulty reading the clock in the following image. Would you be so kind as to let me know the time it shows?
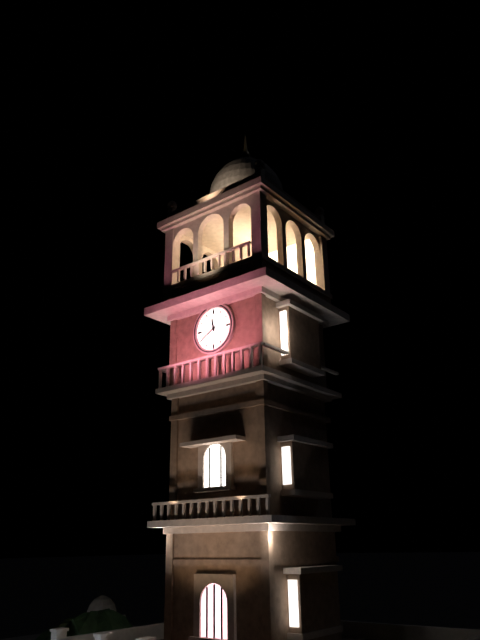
11:40
